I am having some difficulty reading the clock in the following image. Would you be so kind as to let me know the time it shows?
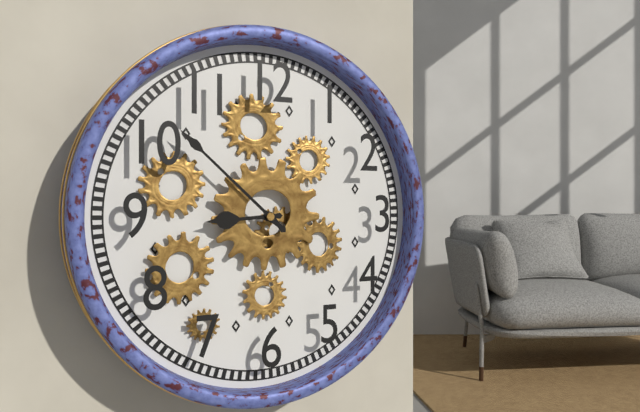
8:52
